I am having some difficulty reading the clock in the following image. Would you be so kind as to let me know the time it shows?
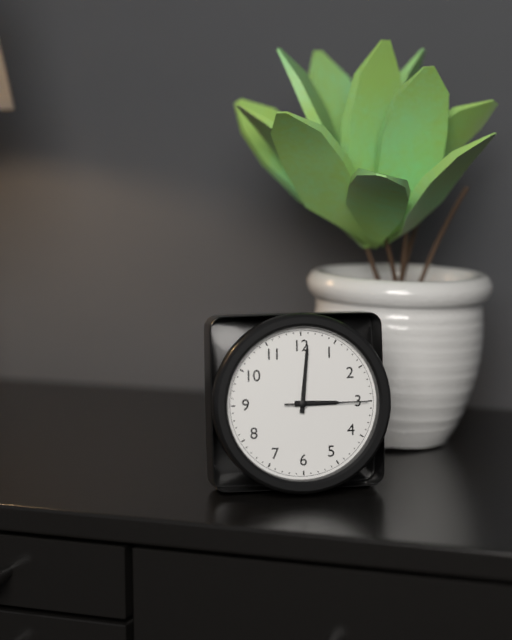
3:01:15
